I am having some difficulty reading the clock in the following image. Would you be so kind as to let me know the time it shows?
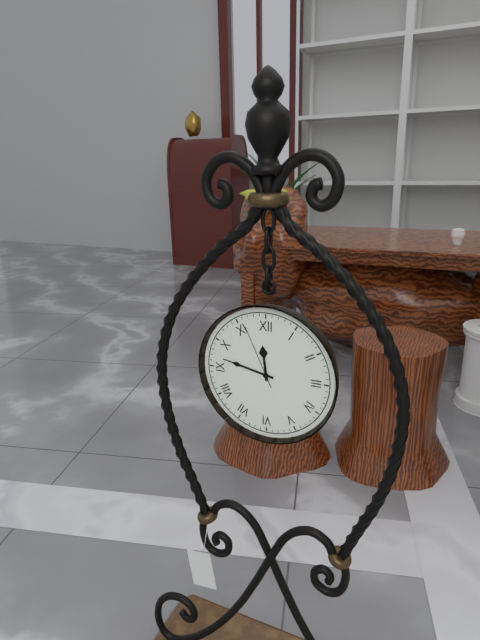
11:47:56
